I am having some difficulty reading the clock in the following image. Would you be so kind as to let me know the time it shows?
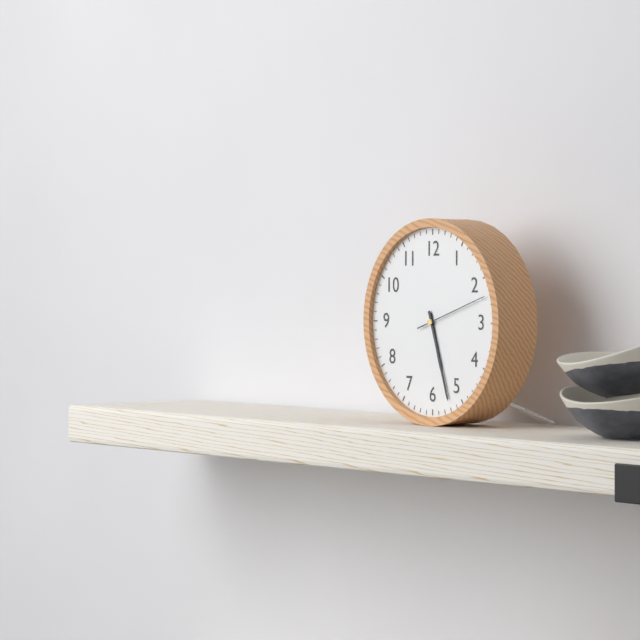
5:27:12
